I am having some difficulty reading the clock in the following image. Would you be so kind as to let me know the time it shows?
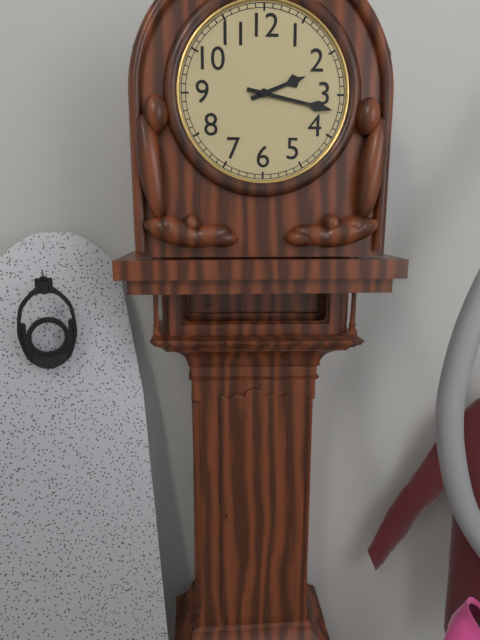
2:17
